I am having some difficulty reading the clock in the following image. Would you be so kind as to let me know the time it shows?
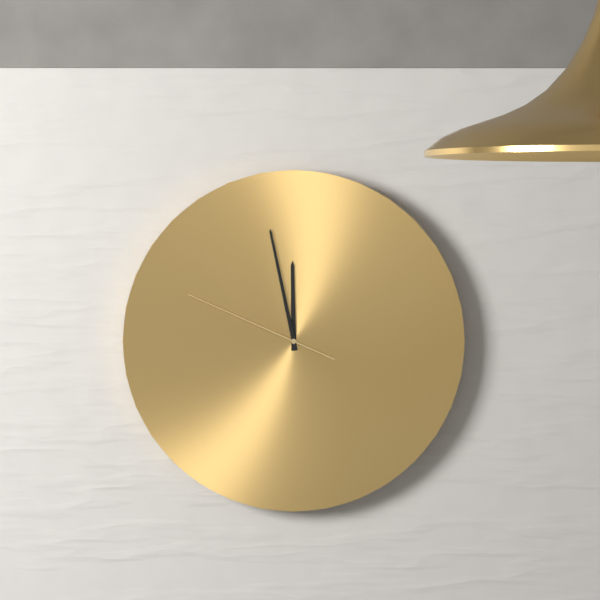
11:58:49
